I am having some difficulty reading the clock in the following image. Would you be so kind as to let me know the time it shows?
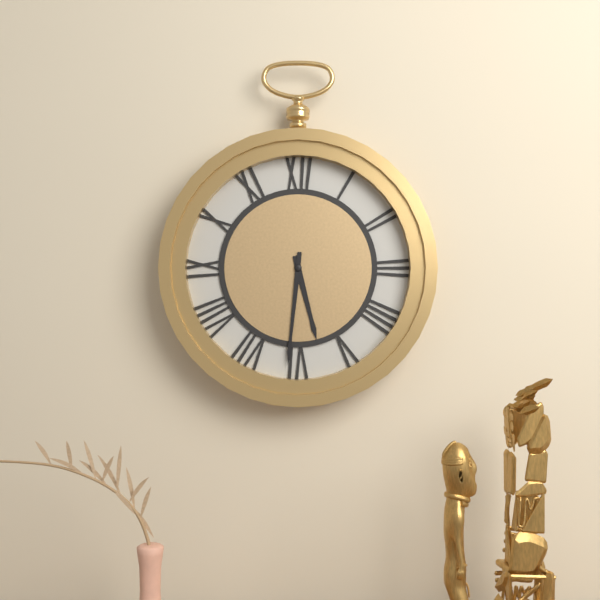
5:31
